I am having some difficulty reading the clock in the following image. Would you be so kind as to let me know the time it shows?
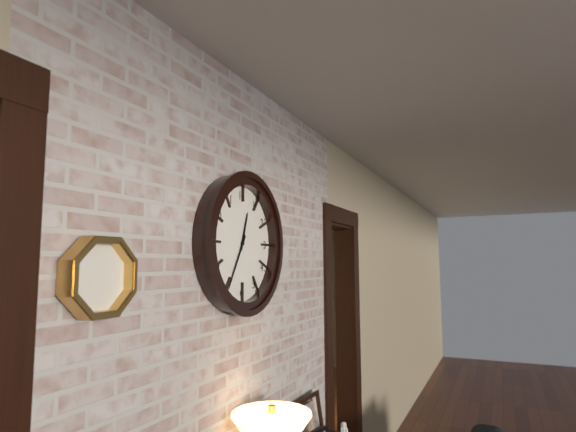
12:35
